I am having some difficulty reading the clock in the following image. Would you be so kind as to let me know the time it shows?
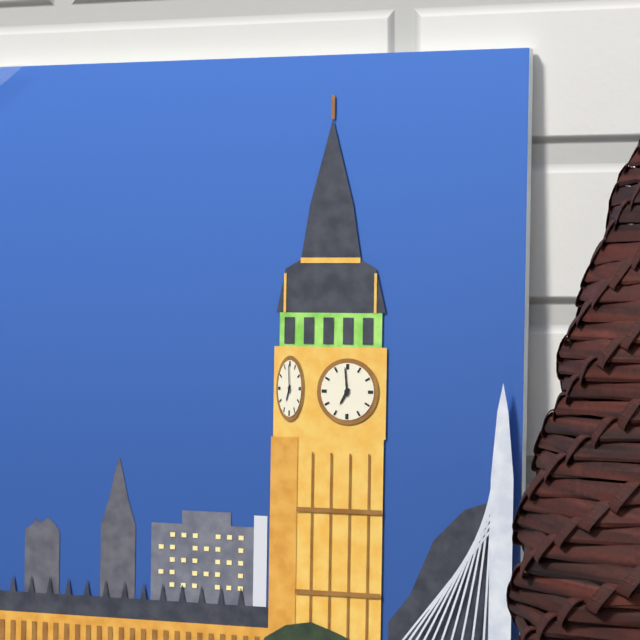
6:59
